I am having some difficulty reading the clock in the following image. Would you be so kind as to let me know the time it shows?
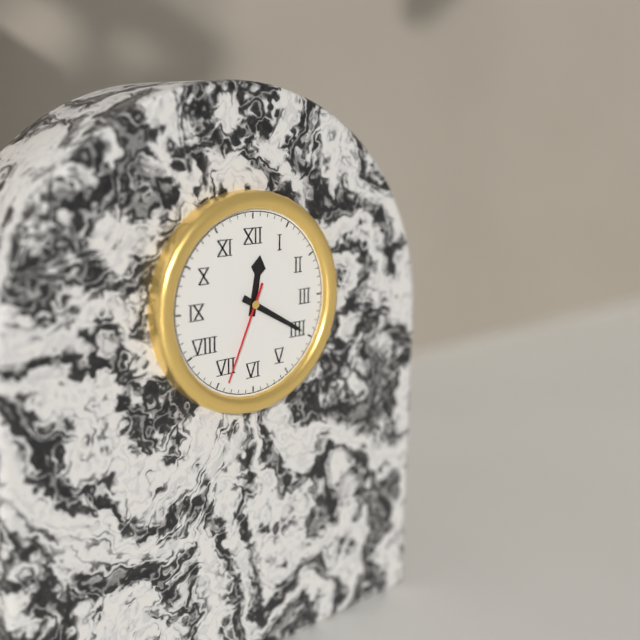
12:20:34
